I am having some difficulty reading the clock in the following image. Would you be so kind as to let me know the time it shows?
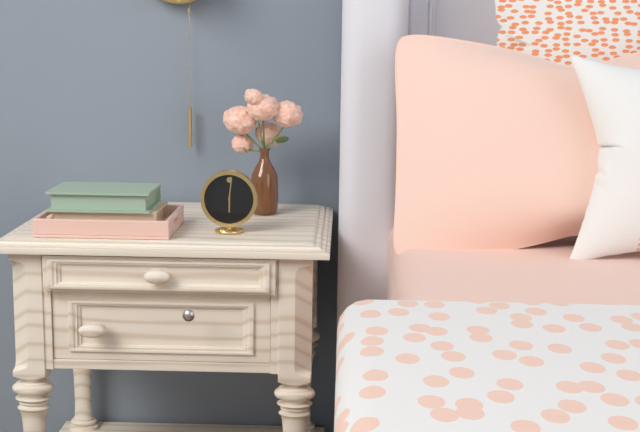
6:01
